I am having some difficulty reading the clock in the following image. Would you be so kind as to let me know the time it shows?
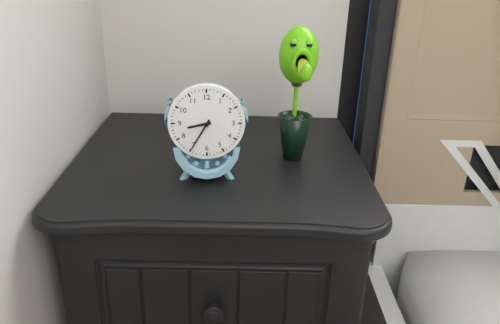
8:35
